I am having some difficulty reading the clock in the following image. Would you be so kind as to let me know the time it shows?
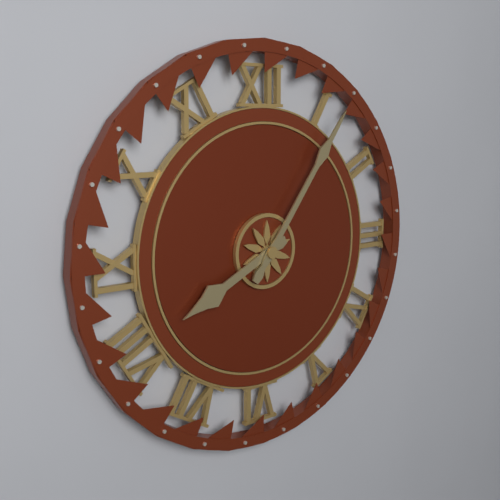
8:06
